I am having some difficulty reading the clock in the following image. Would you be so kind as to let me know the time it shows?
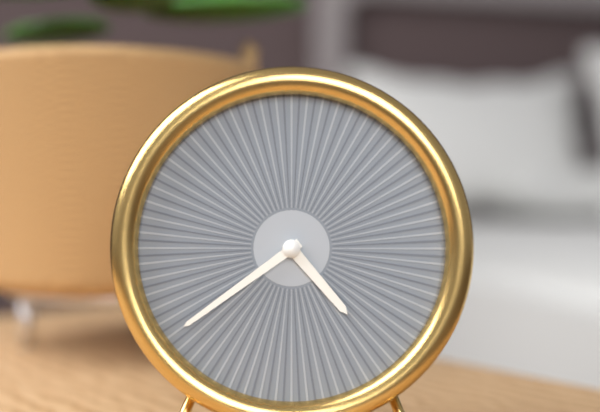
4:39
